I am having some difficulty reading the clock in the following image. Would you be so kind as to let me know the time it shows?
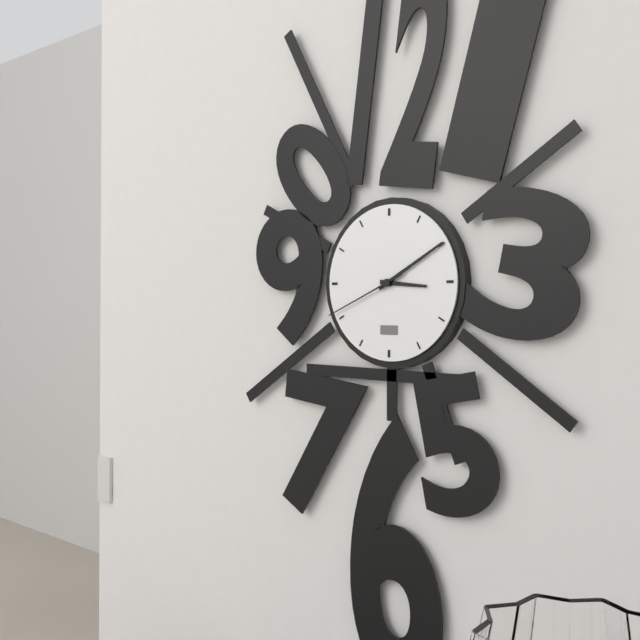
3:10:41
